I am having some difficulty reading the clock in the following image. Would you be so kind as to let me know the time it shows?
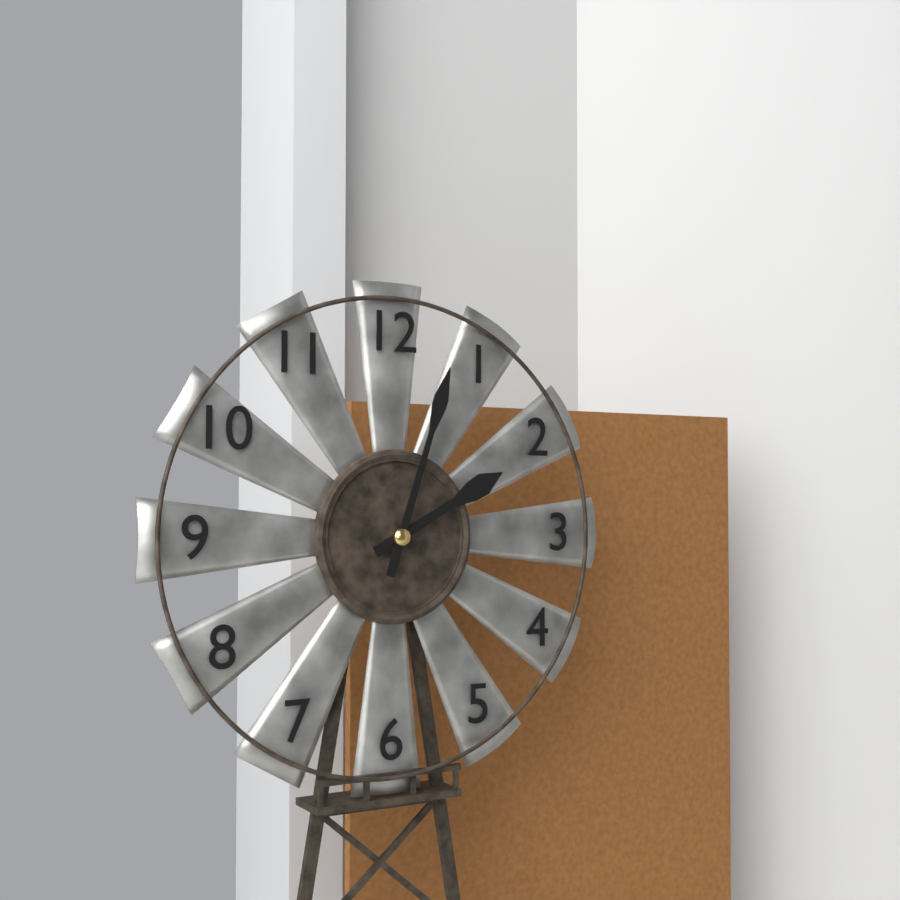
2:03
